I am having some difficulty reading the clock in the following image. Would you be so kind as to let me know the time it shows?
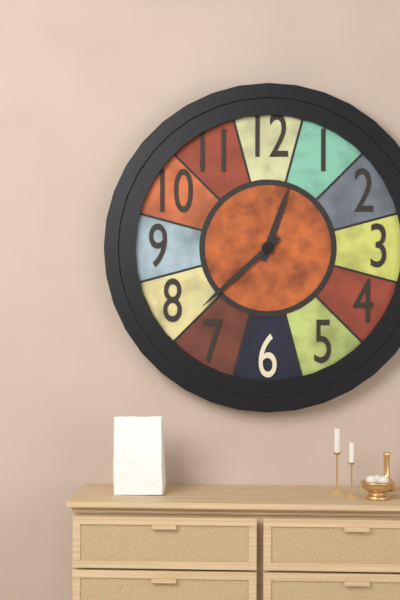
12:38
